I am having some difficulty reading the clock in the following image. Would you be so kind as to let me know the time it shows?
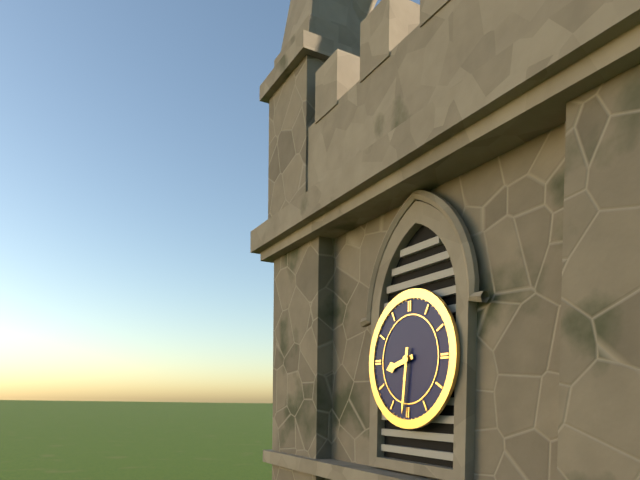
8:31
